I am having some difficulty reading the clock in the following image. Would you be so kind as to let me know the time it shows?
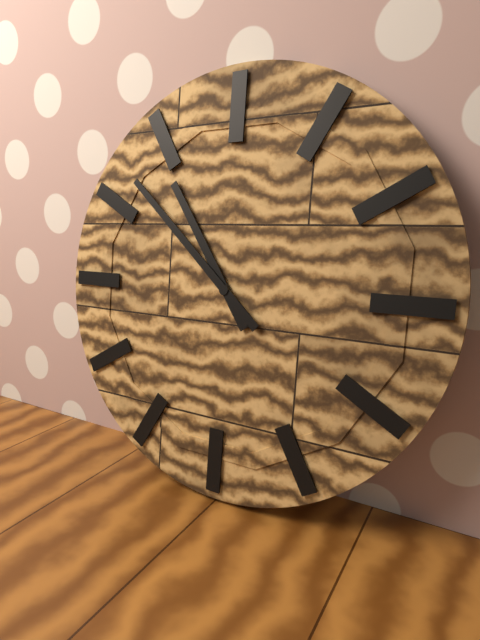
10:52
